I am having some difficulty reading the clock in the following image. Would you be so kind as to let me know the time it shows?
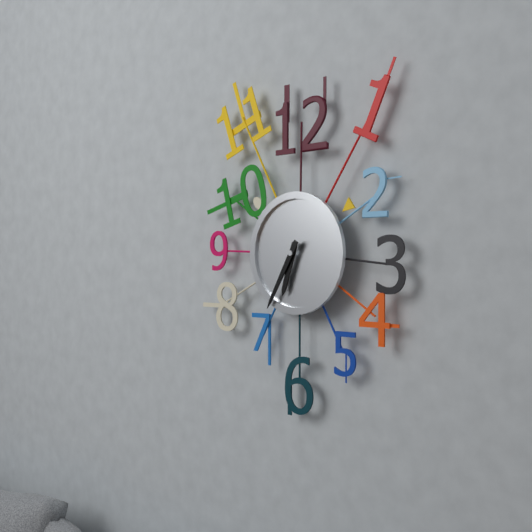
6:35
